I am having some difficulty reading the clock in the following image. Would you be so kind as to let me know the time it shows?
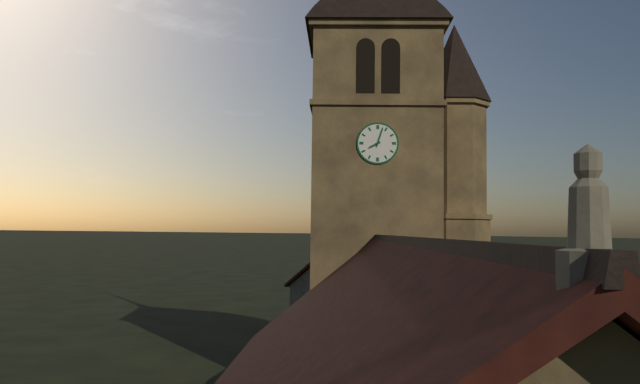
8:03
